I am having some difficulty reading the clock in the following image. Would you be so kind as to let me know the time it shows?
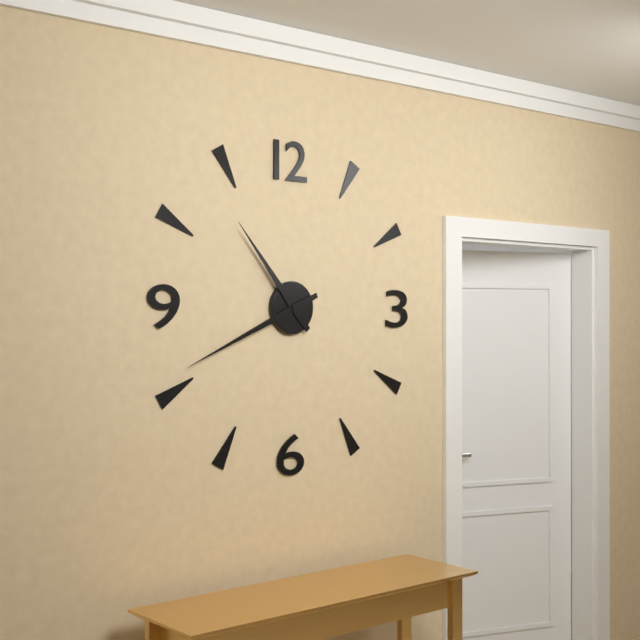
10:41
